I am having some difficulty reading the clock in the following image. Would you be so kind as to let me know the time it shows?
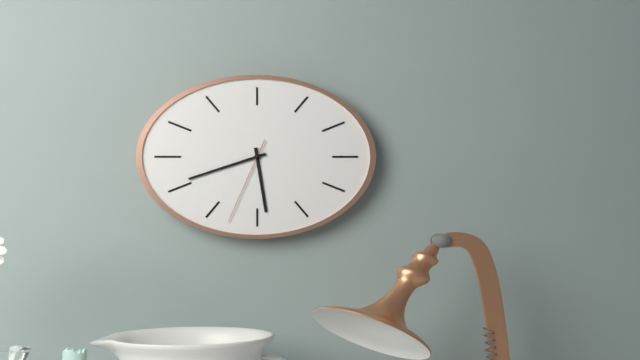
5:42:34
